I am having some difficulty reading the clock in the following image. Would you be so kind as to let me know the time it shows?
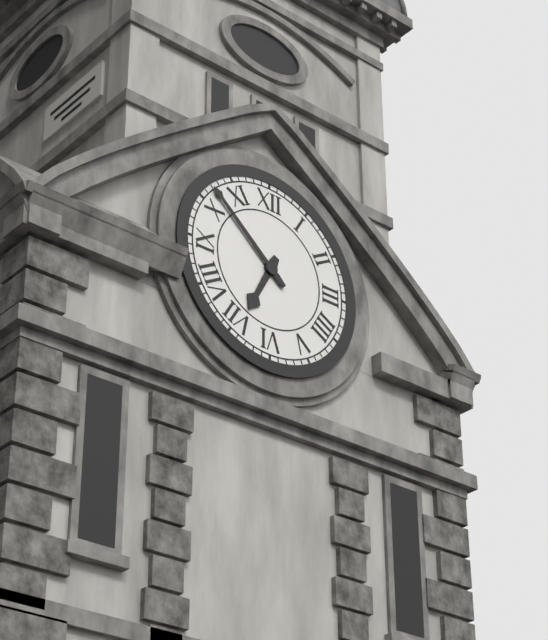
6:52
